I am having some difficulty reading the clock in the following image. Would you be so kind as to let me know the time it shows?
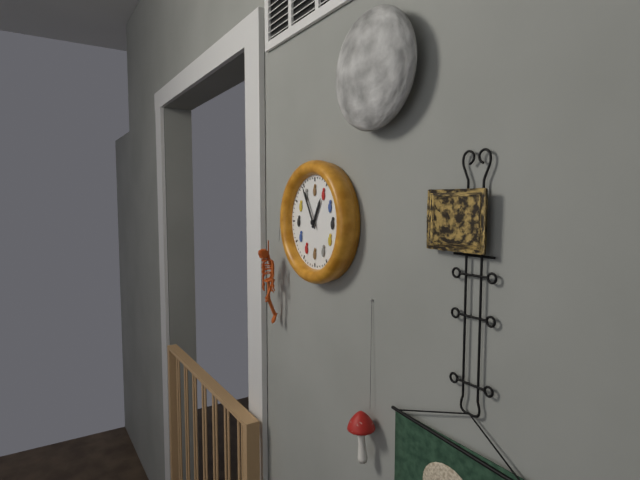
12:55
